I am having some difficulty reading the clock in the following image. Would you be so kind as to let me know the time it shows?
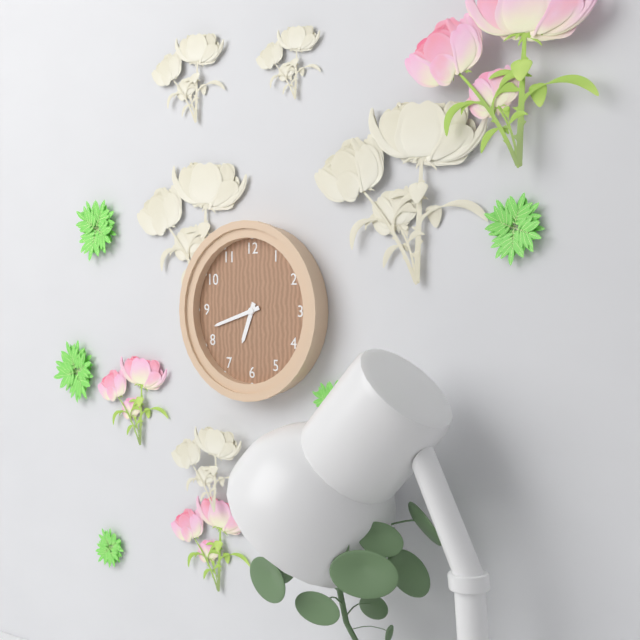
6:42
